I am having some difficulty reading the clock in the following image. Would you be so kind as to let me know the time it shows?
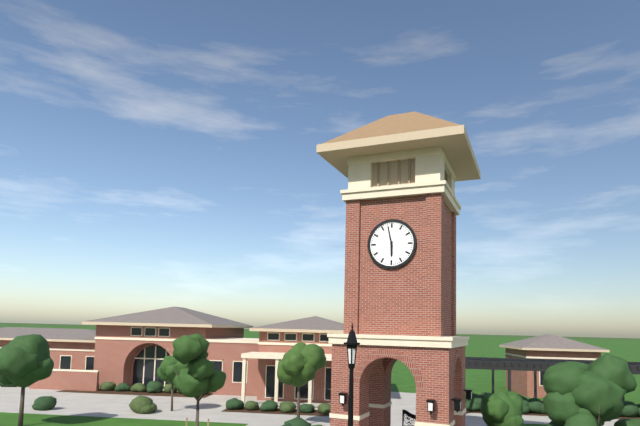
5:58
